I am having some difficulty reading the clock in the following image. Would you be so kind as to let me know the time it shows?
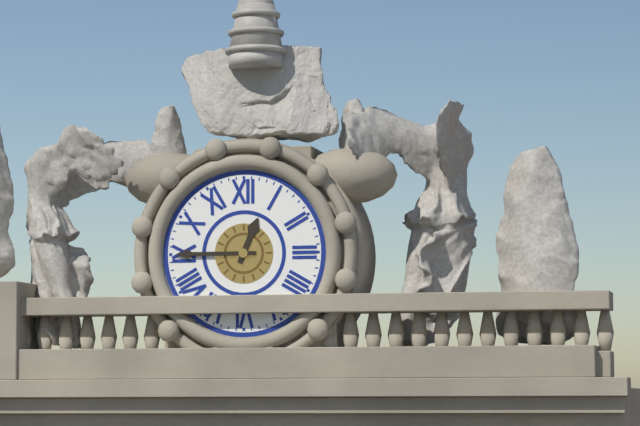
12:45
